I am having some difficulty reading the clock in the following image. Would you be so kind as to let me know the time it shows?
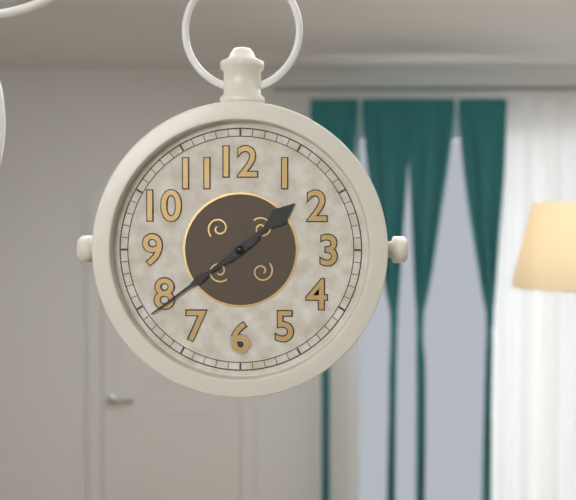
1:39
